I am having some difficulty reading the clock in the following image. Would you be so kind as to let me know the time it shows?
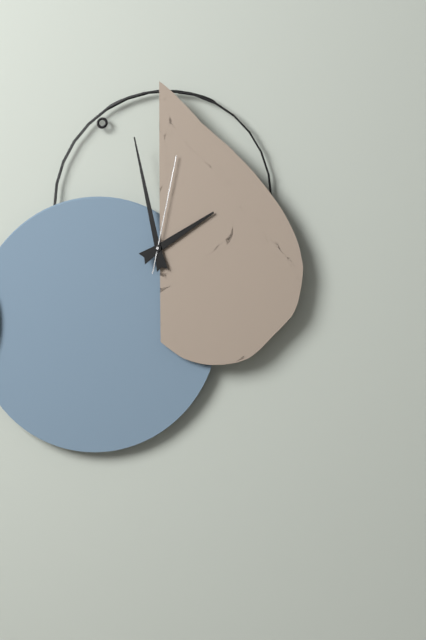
1:58:02
